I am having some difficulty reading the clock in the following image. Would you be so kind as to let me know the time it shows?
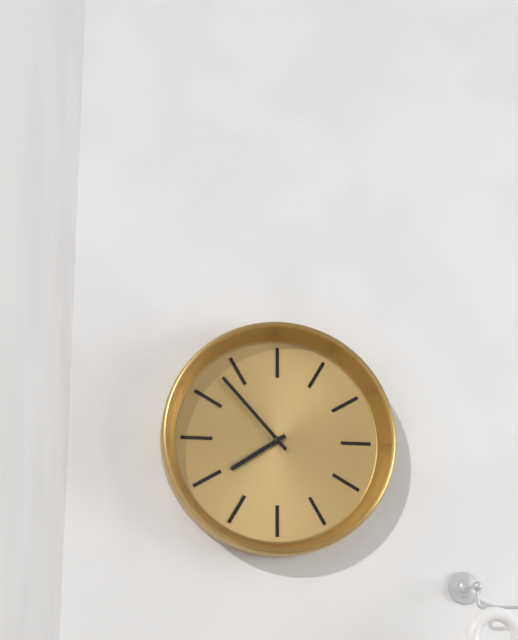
7:53
